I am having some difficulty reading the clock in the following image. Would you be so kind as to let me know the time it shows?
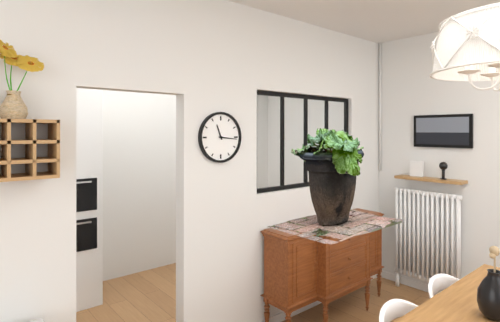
11:16
